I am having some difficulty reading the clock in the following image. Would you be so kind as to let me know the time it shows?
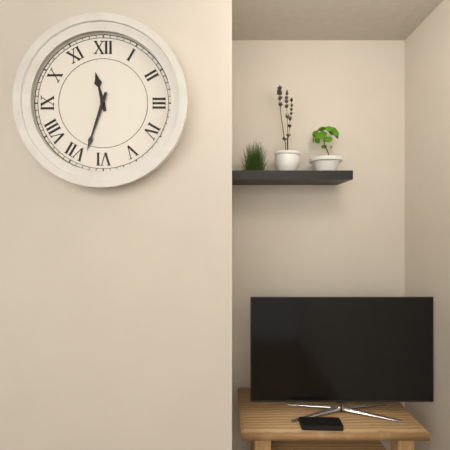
11:33
